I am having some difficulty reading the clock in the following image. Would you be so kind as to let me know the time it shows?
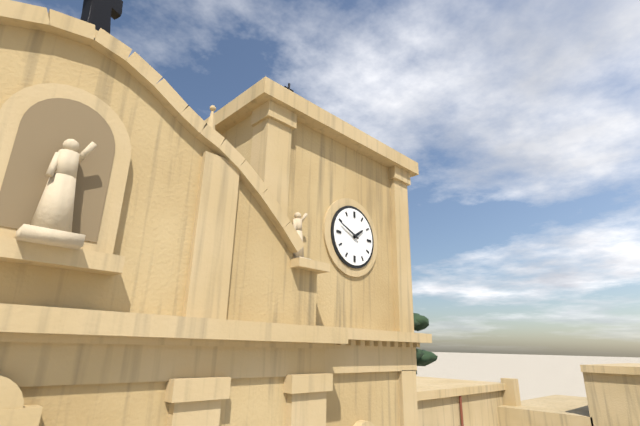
1:49
